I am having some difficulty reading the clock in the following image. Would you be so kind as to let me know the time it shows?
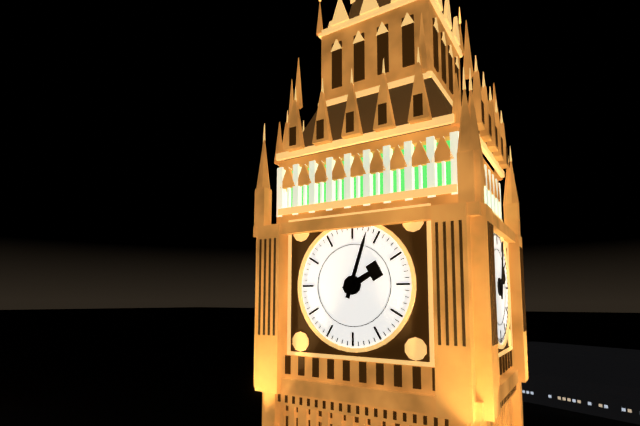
2:03
